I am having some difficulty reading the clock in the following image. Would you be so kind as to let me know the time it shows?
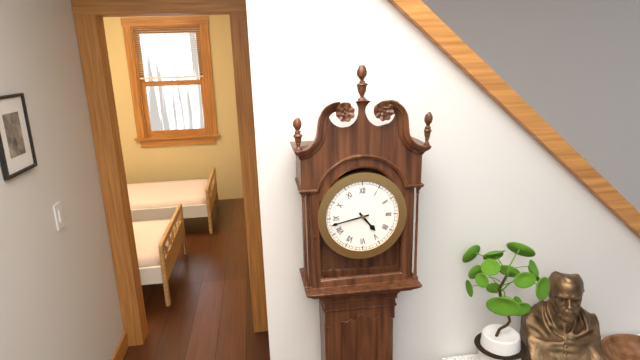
4:43
